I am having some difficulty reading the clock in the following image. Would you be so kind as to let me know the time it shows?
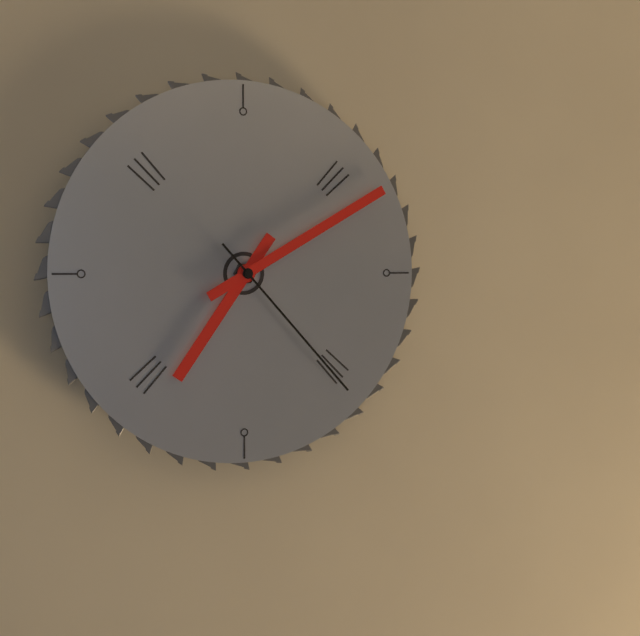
7:10:23
